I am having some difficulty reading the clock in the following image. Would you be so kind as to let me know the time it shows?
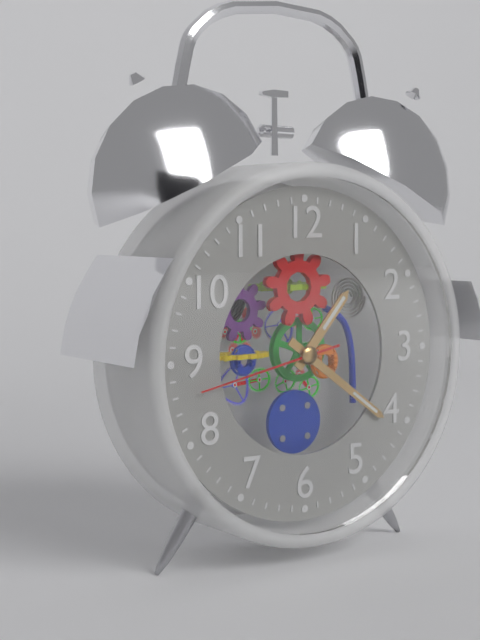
1:21:43
